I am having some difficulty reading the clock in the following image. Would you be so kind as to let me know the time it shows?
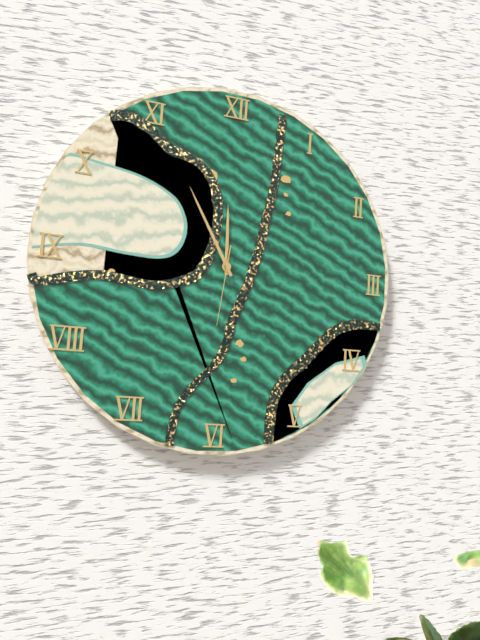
11:55:31
